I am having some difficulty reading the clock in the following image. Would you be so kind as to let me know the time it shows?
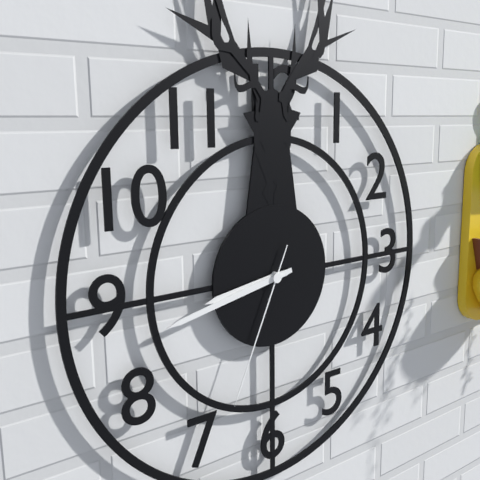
8:43:34
